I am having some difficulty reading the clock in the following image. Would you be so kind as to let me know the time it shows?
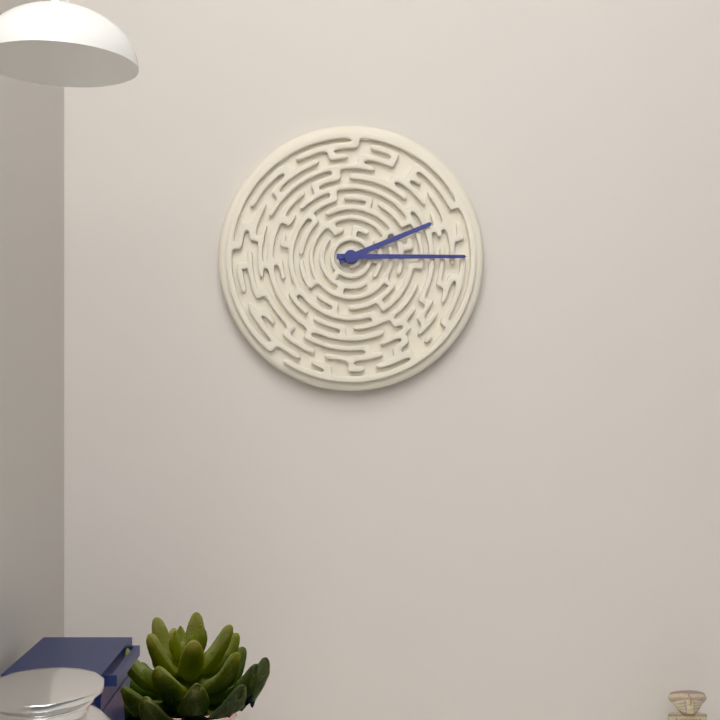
2:15
